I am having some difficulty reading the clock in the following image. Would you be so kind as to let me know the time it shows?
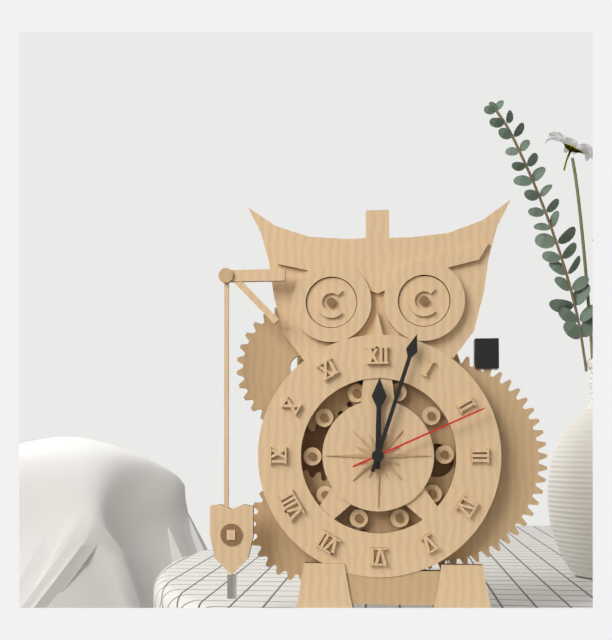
12:03:11
